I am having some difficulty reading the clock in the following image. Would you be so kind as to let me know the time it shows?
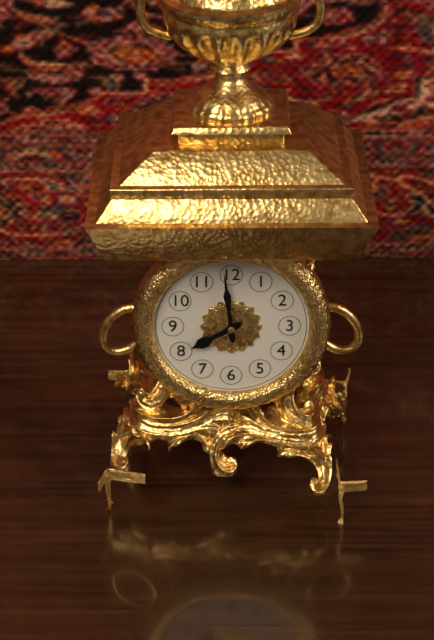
7:59
